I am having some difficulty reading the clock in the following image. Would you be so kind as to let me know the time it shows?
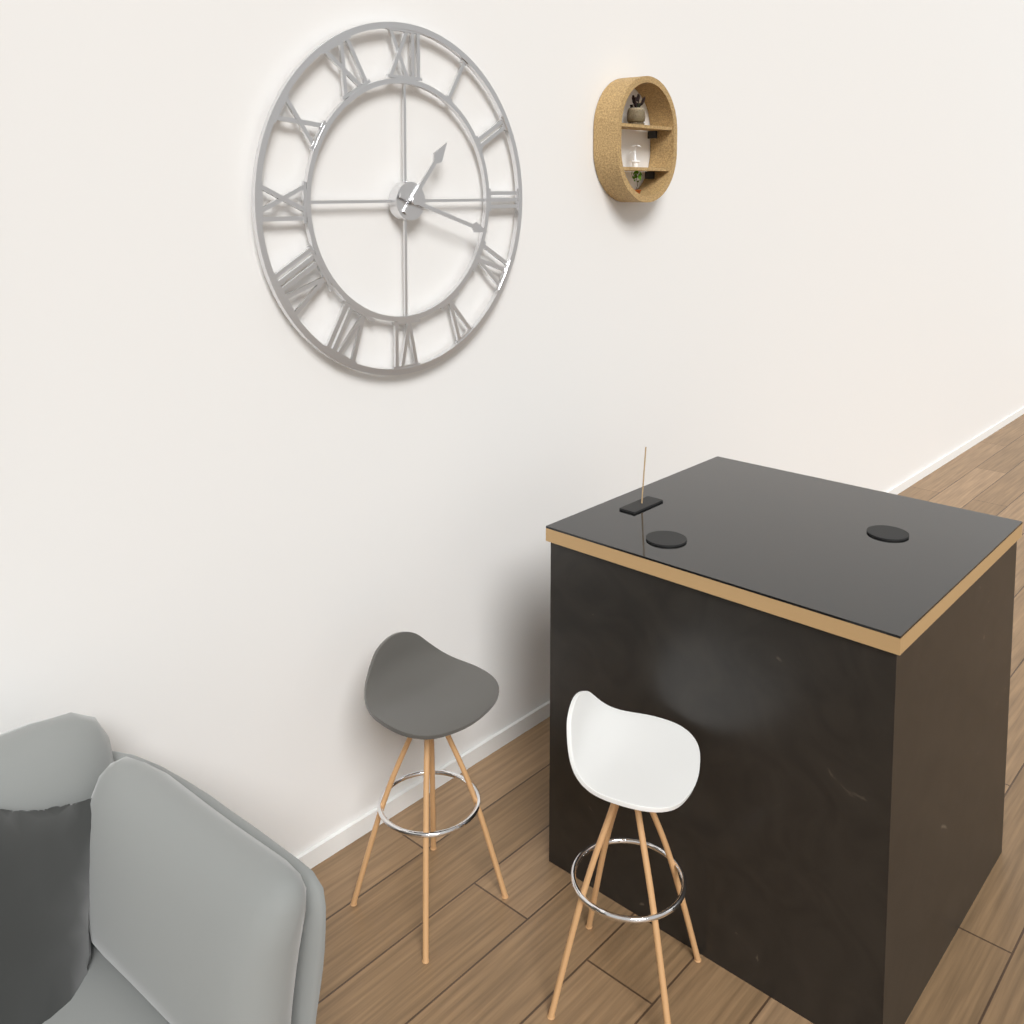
1:18
